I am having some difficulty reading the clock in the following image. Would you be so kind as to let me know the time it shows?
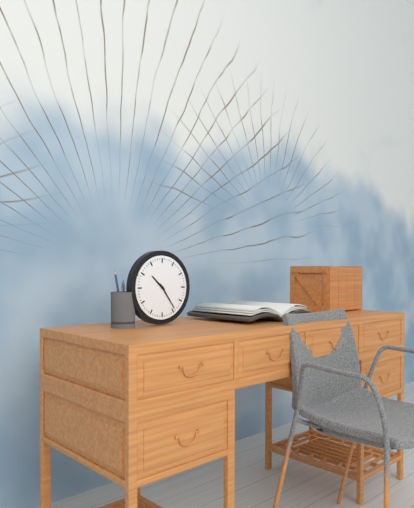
10:24
